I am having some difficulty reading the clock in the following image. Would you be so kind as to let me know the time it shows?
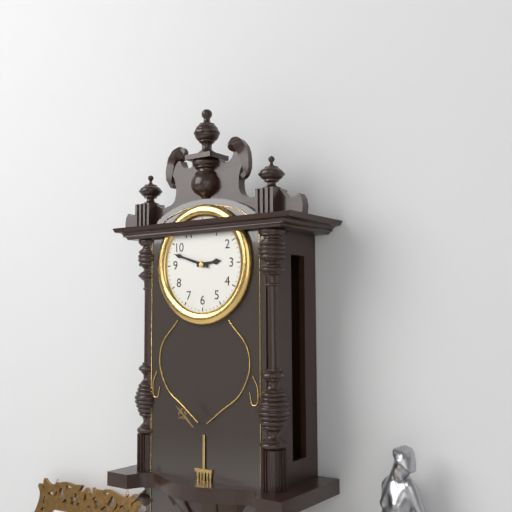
2:48
